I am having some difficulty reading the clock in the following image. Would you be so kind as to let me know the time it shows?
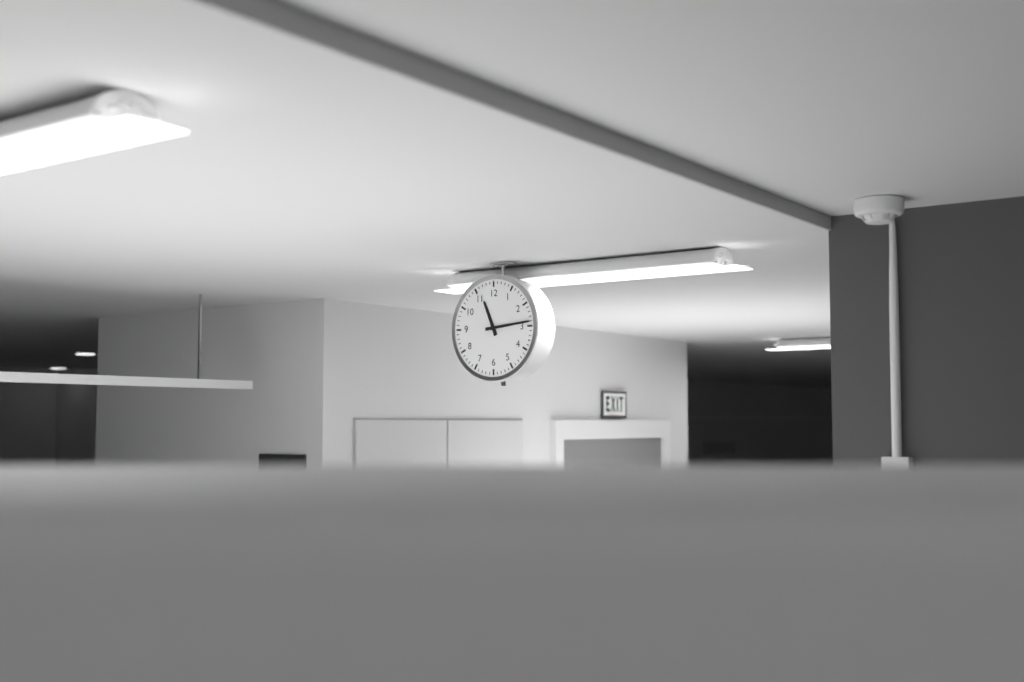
11:14
